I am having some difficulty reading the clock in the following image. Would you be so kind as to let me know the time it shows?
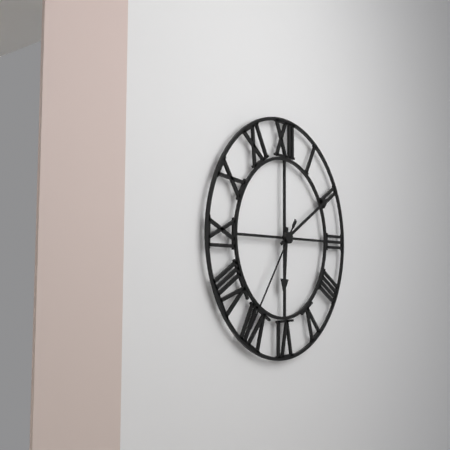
6:10:36
